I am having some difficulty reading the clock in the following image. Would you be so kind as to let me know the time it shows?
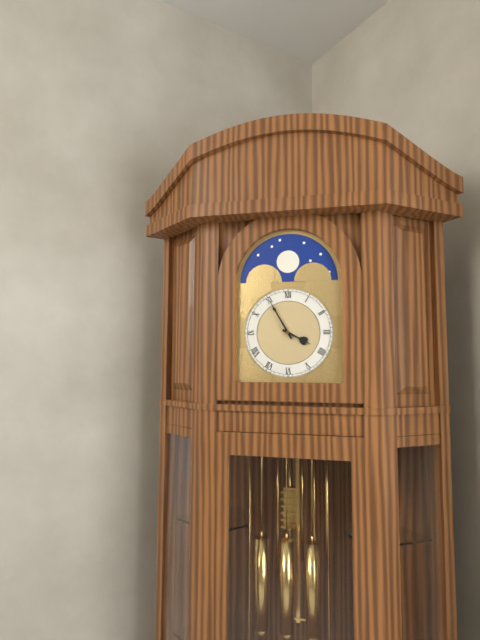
3:55
